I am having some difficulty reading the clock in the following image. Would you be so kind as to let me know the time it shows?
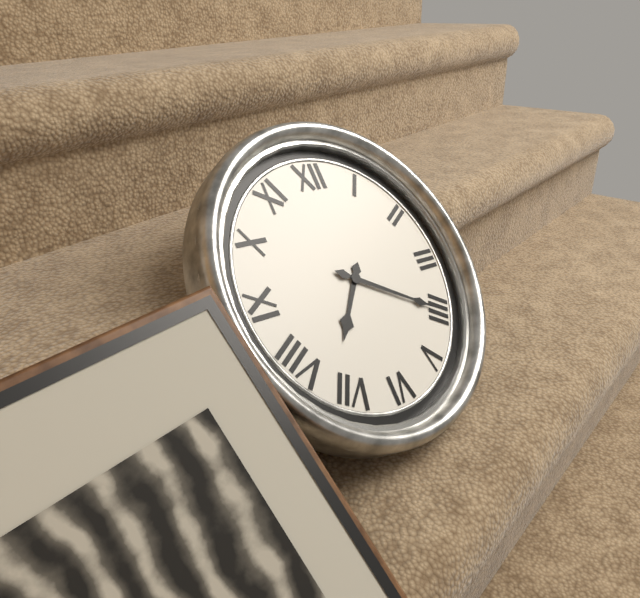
7:20
